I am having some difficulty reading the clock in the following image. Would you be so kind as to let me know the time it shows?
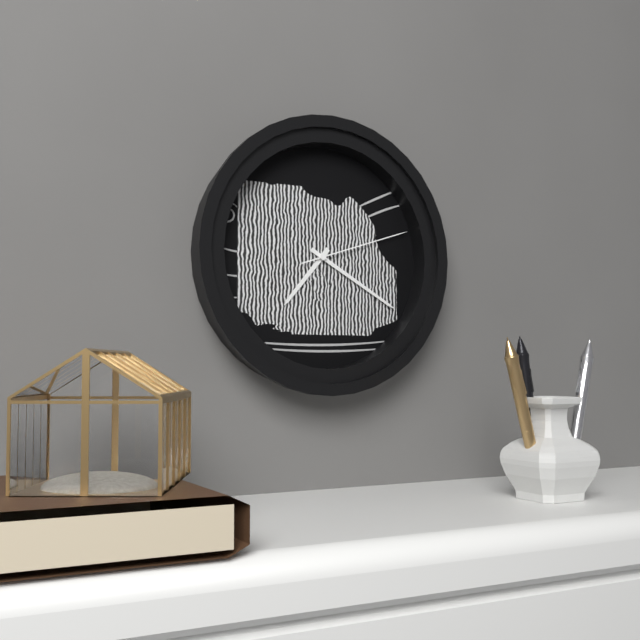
7:20:12
